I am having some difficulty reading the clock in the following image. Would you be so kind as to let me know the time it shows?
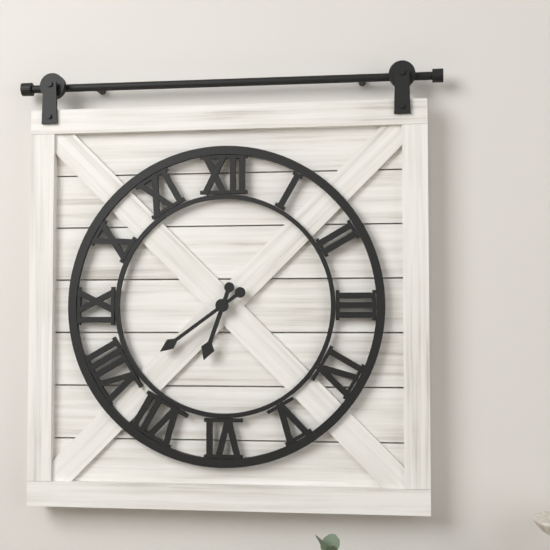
6:39
